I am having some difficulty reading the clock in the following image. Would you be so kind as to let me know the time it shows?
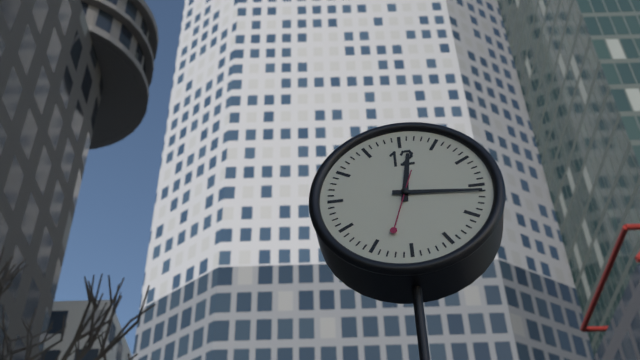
12:16:33
